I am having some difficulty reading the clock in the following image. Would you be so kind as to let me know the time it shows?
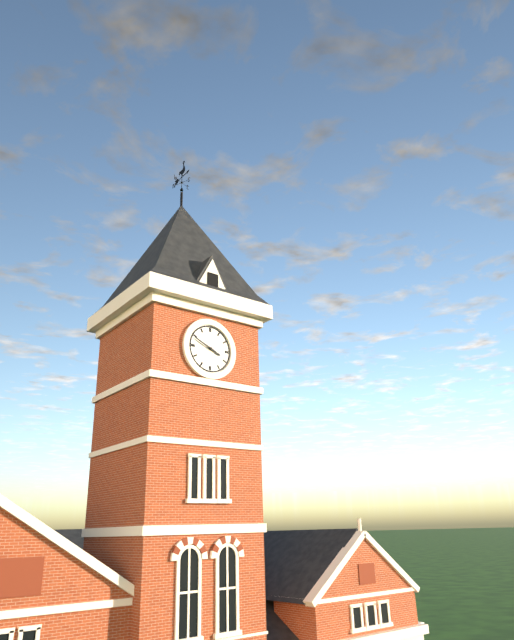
3:49
